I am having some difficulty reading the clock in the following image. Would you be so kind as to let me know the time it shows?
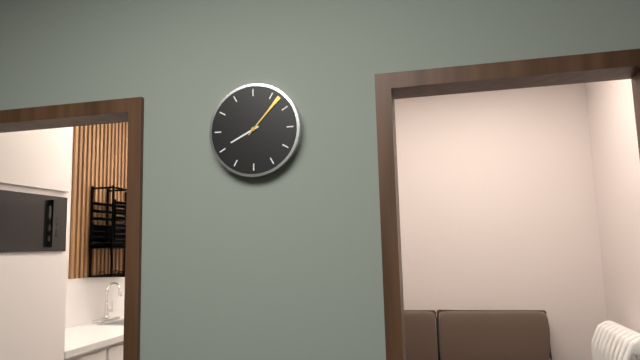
8:07
